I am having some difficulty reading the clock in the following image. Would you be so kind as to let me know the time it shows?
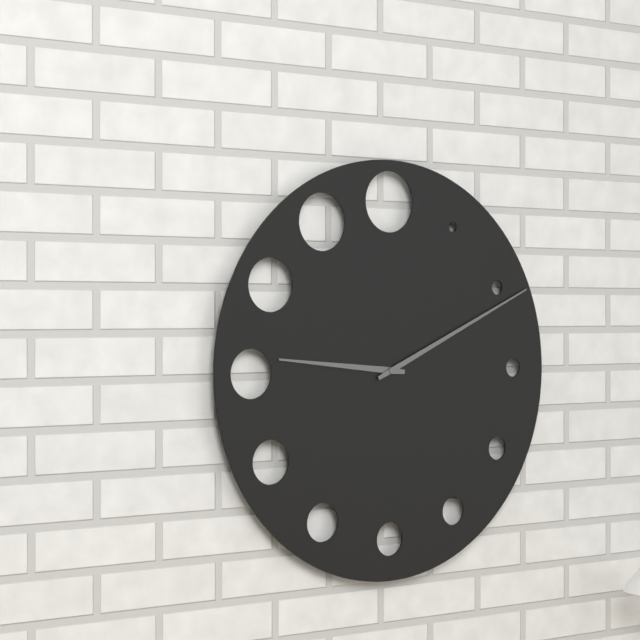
9:11
